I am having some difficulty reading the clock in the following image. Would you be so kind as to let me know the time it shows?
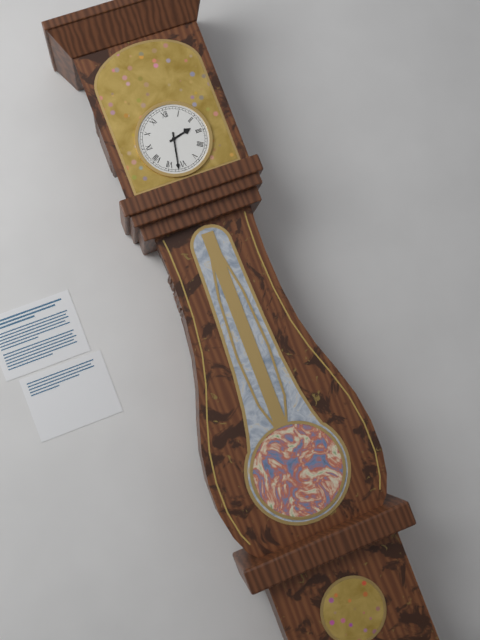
2:32
